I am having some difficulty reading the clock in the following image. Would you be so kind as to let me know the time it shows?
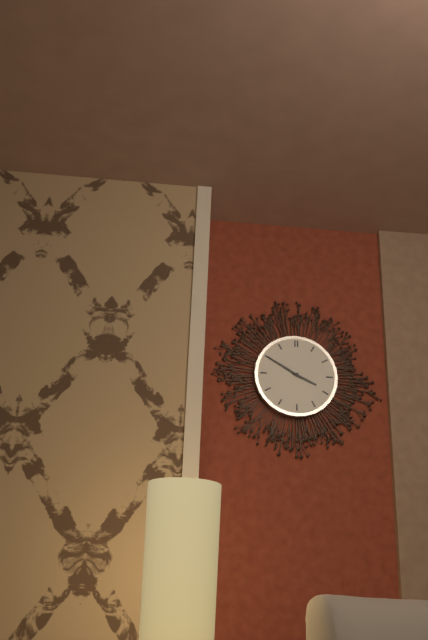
3:50
